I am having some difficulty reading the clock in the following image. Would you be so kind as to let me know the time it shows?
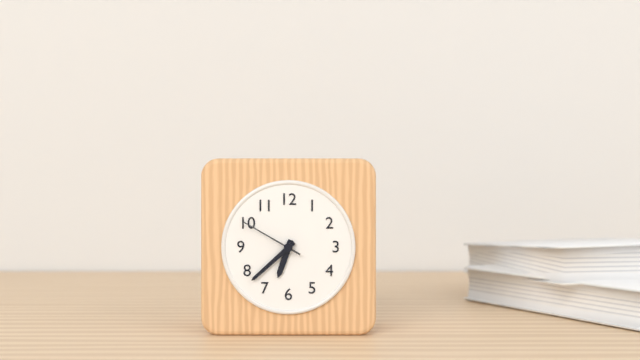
6:38:50
